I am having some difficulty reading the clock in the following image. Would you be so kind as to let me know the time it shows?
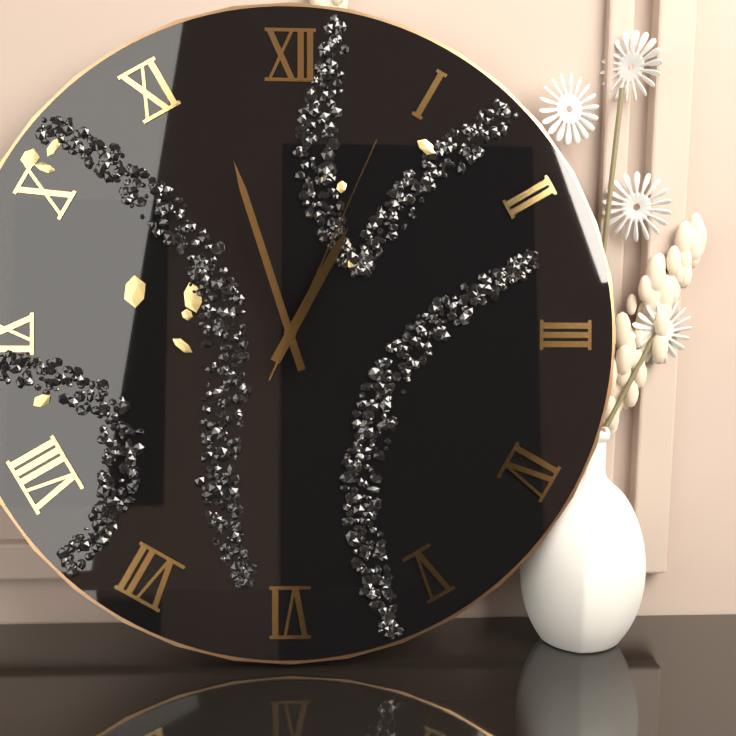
12:57:04
